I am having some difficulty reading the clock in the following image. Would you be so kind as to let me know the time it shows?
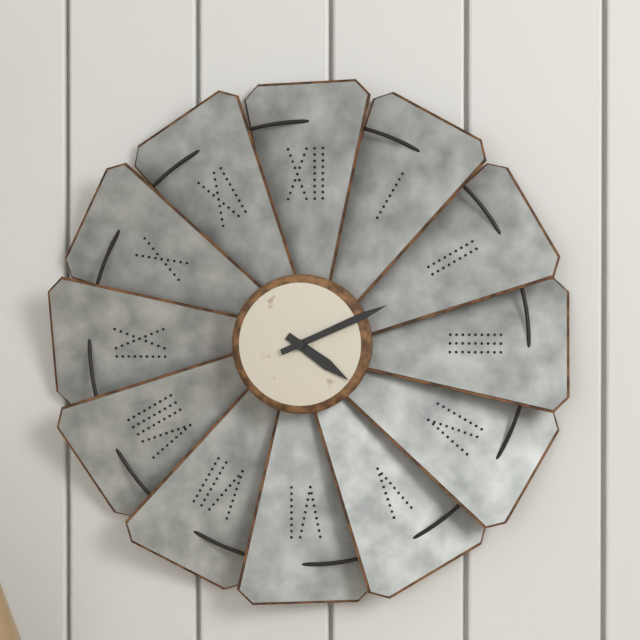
4:11
